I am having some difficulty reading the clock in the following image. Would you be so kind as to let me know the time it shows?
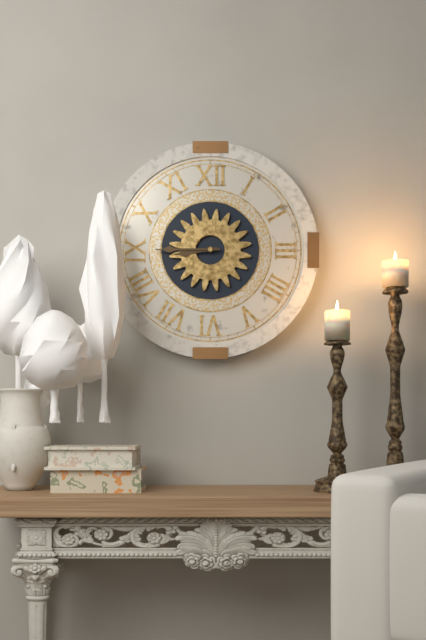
8:45
